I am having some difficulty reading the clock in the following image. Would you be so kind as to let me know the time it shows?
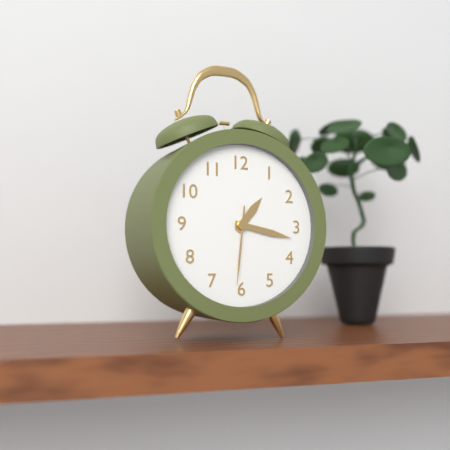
1:17:31
